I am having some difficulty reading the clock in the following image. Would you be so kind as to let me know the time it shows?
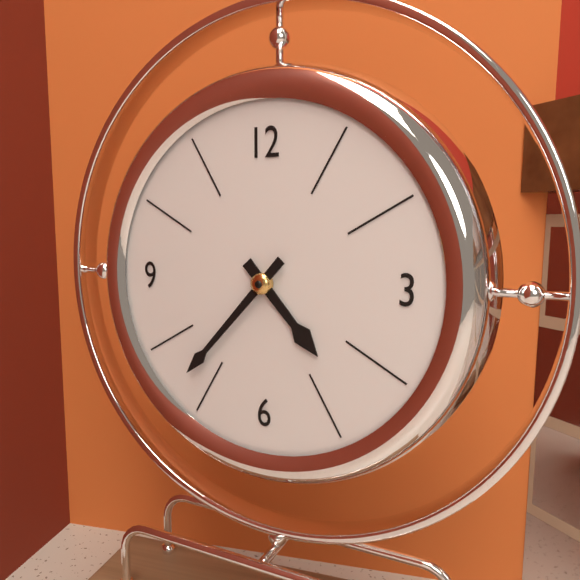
4:37
